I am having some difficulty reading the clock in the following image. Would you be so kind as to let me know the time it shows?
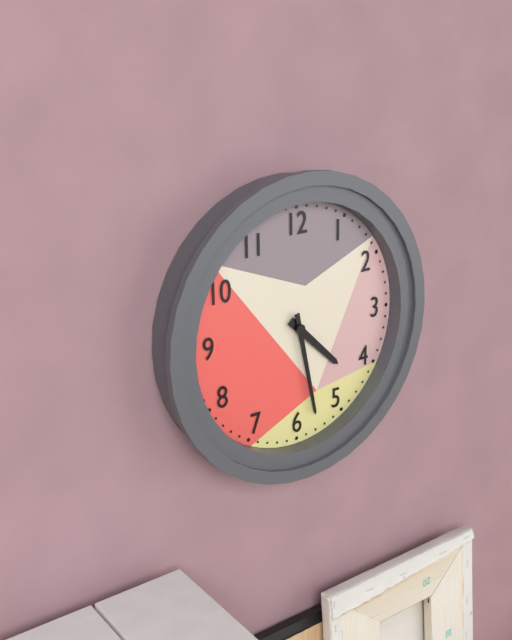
4:28
